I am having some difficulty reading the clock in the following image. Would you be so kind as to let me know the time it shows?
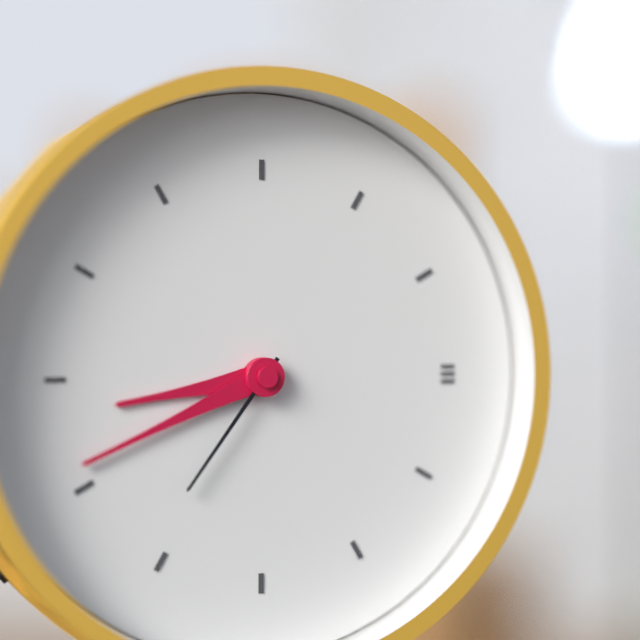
8:41:36
